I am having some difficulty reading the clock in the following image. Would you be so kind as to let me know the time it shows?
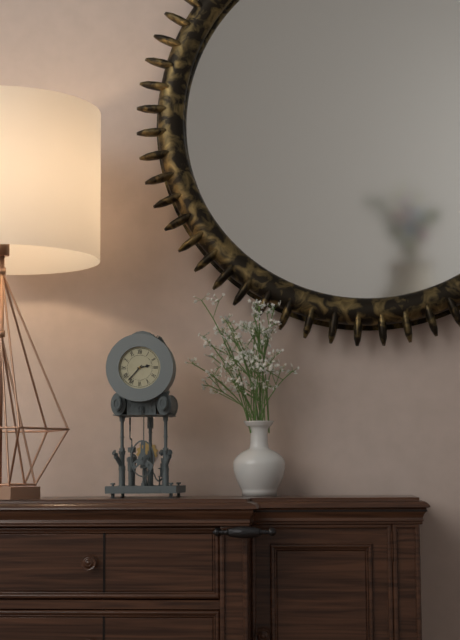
2:37
